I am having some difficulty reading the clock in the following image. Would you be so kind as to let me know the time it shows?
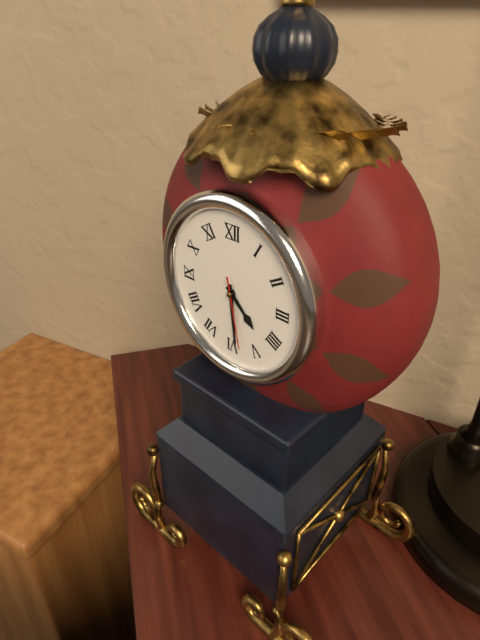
4:29:28
